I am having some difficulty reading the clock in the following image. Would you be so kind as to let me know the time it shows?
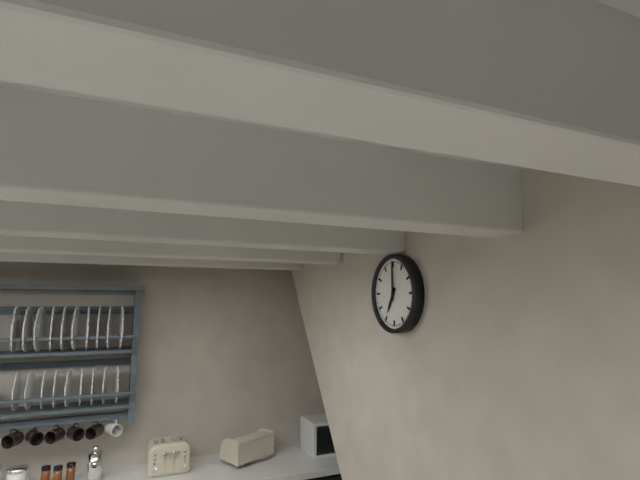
7:00
